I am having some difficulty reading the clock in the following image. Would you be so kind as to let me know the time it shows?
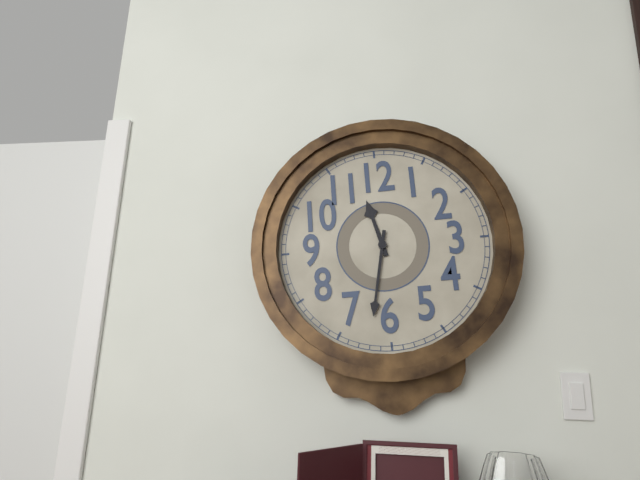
11:32
